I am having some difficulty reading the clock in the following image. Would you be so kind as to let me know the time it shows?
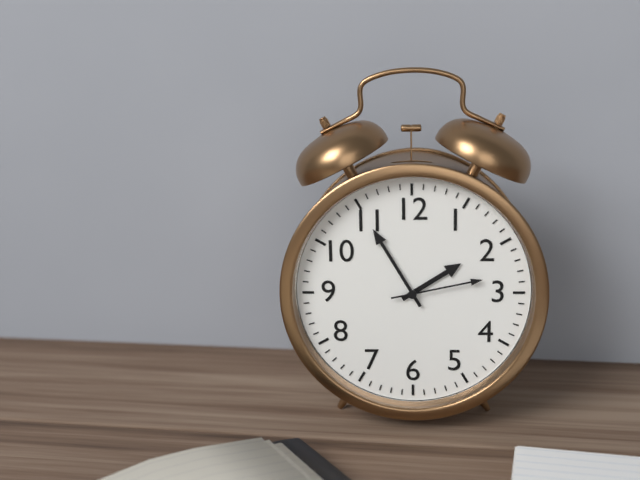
1:55:13
